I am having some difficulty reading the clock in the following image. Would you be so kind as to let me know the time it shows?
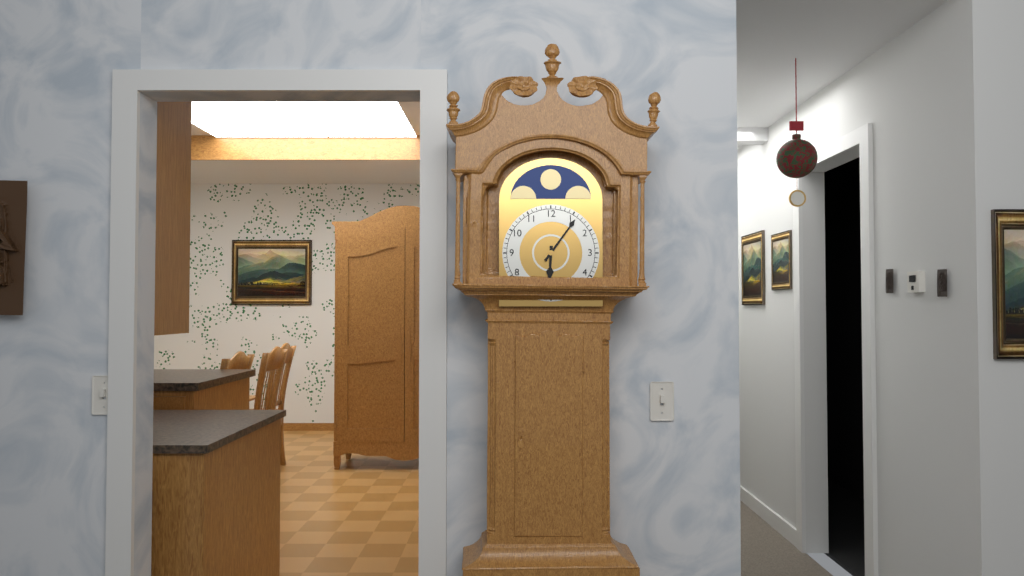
6:06
